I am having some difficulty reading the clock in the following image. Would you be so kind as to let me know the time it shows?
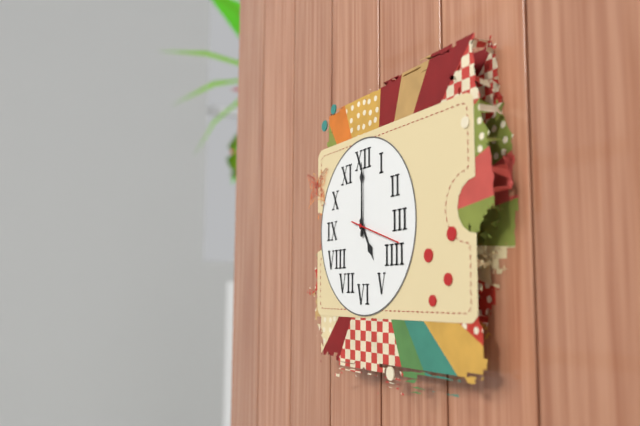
5:00:18
